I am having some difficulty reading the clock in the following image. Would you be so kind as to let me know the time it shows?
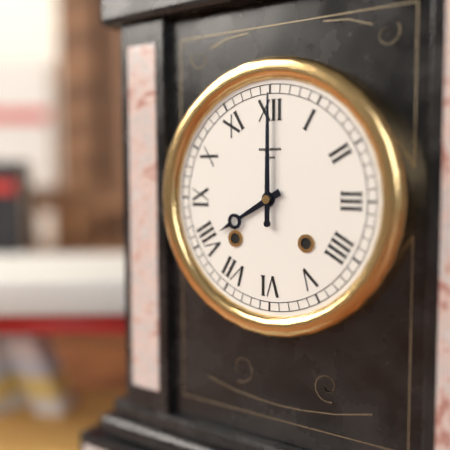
8:00
